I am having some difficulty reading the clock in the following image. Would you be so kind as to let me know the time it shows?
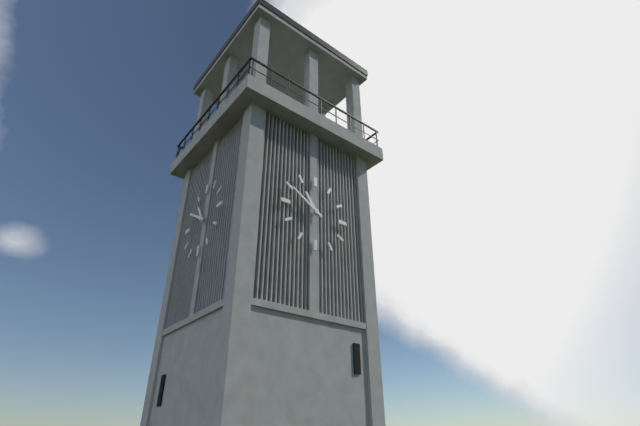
10:50
